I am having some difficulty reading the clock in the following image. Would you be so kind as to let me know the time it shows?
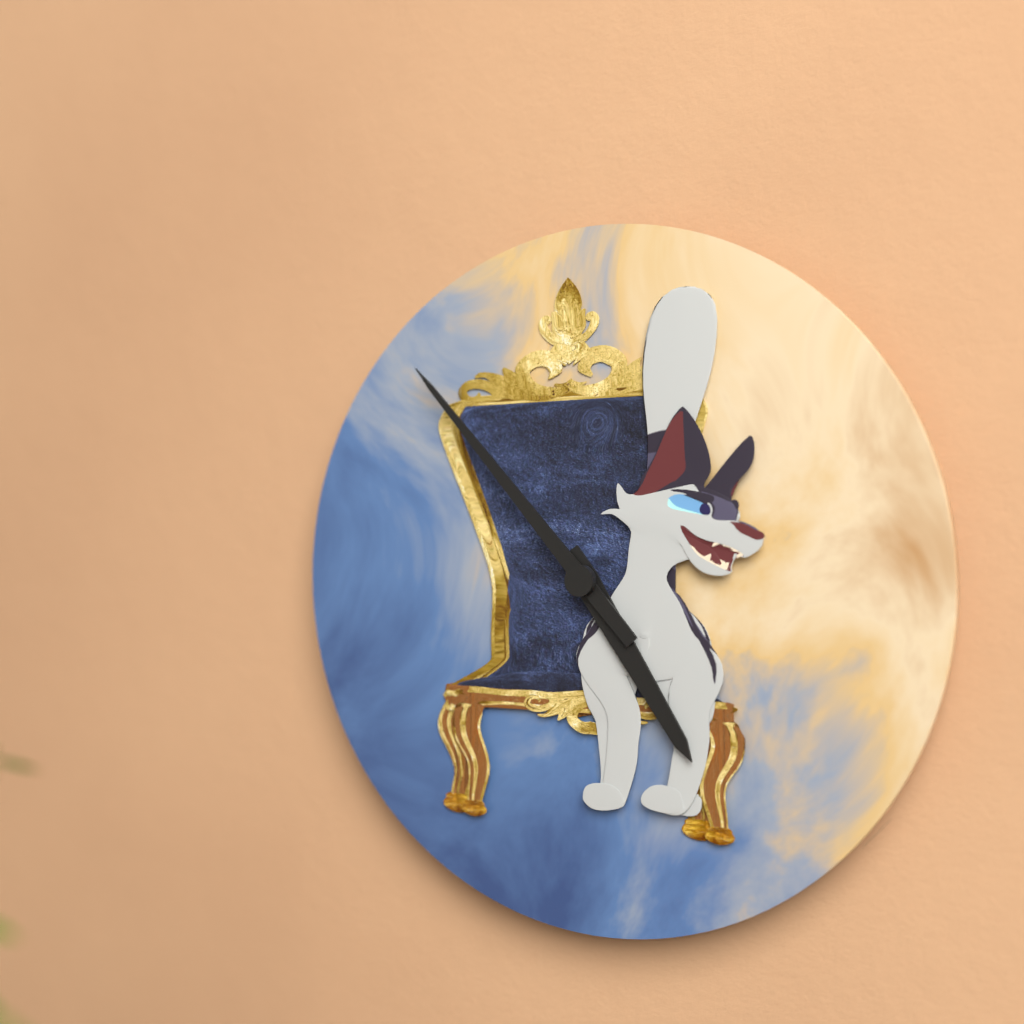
4:53
